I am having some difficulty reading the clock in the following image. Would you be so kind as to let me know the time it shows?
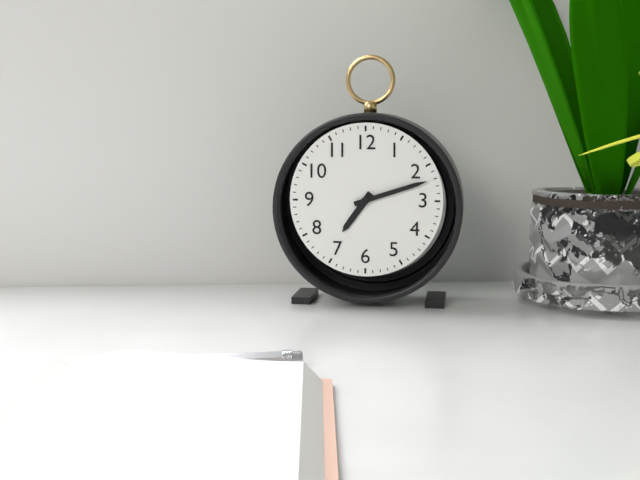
7:12
